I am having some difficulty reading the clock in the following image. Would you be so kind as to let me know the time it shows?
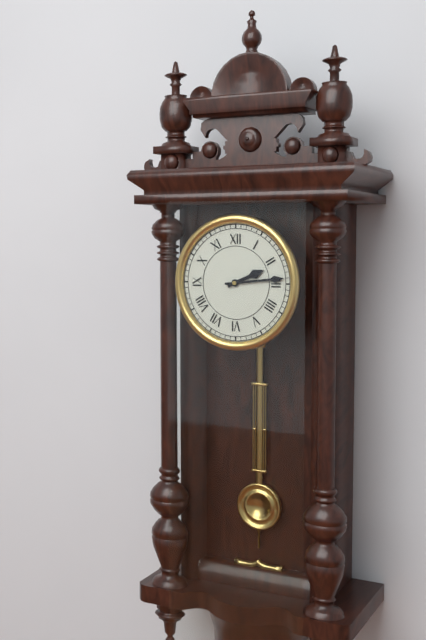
2:14
